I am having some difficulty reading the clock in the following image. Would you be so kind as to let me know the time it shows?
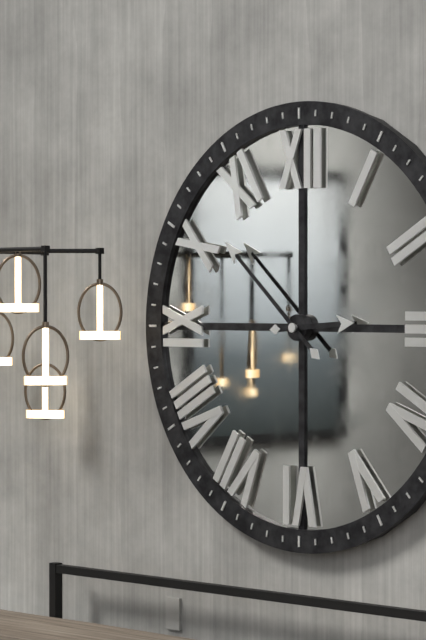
2:52
